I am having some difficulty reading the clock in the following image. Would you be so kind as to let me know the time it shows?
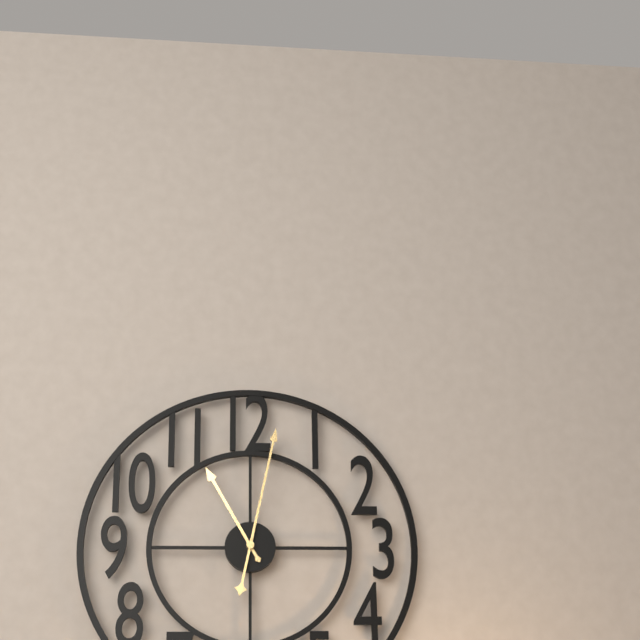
11:02
